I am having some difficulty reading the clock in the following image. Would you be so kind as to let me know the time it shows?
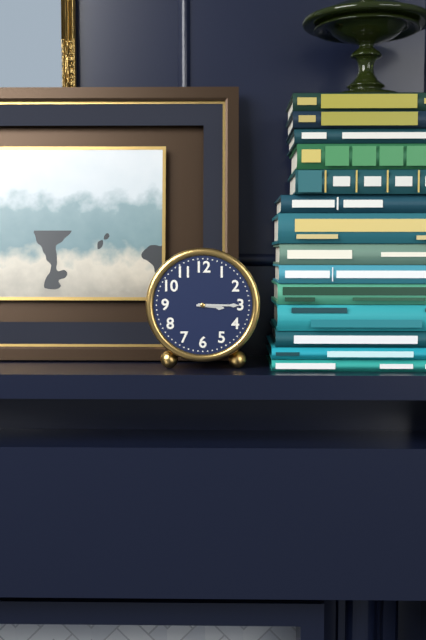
3:15
